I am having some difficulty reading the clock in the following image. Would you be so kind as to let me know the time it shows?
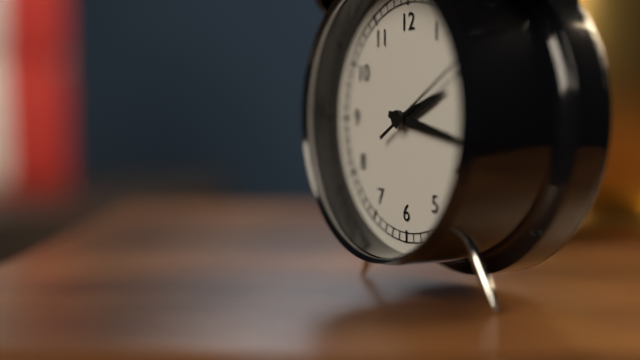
2:17:10
